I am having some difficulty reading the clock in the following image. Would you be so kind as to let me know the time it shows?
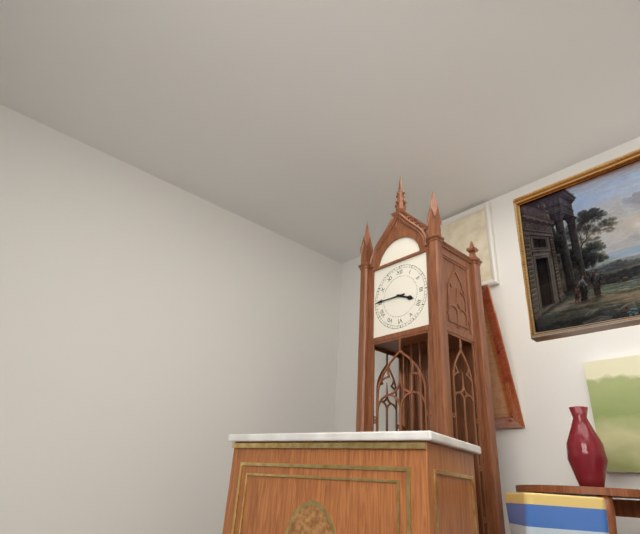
3:45
